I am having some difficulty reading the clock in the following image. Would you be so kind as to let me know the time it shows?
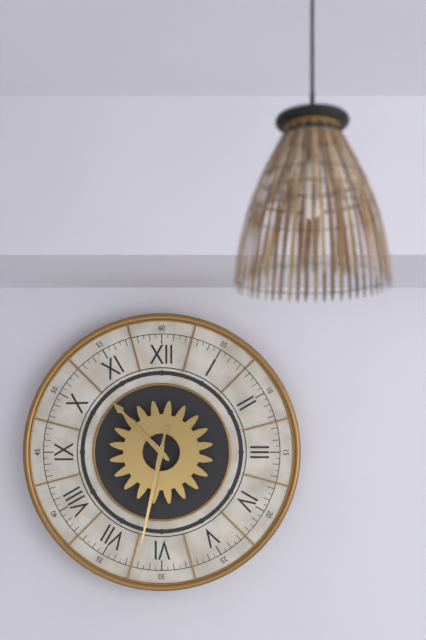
10:32
